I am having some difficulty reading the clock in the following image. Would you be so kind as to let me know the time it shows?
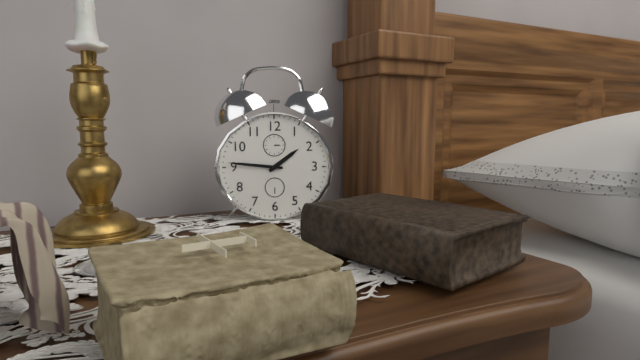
1:46
